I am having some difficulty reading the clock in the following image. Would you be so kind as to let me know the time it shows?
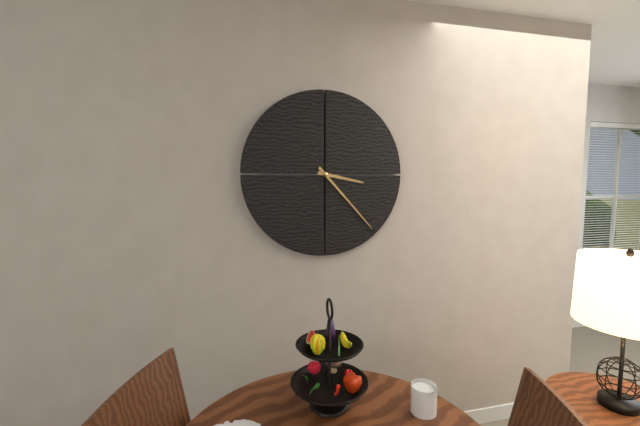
3:23
